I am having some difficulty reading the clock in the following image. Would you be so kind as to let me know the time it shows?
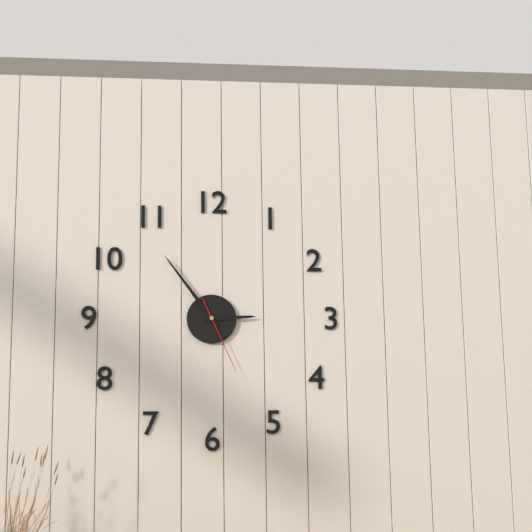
2:54:26
